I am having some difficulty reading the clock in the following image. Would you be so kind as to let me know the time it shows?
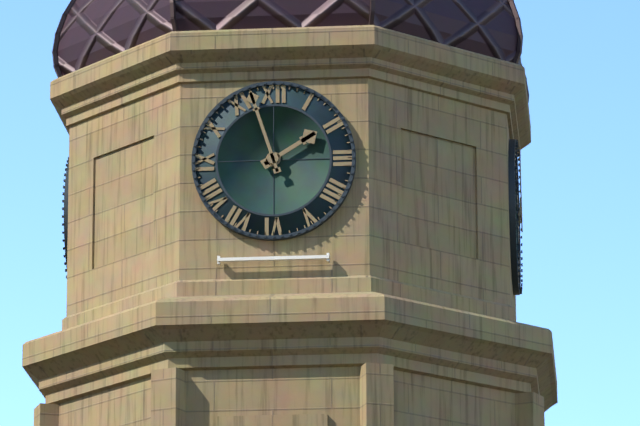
1:57
